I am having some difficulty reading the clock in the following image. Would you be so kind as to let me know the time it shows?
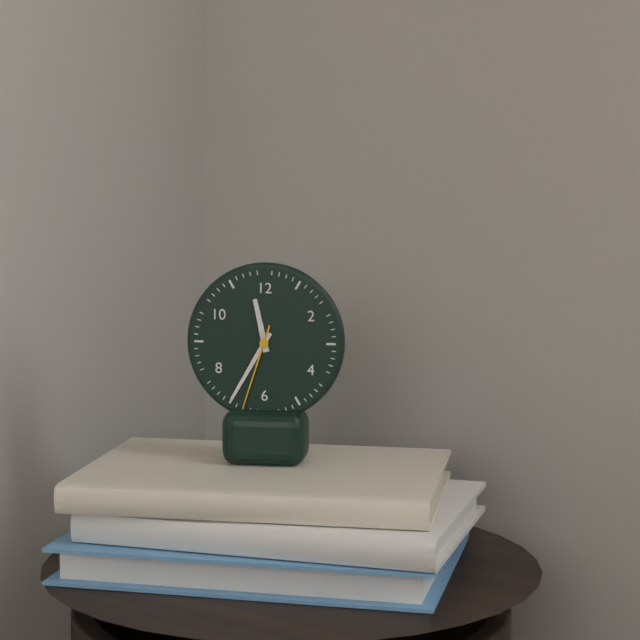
11:35:33
